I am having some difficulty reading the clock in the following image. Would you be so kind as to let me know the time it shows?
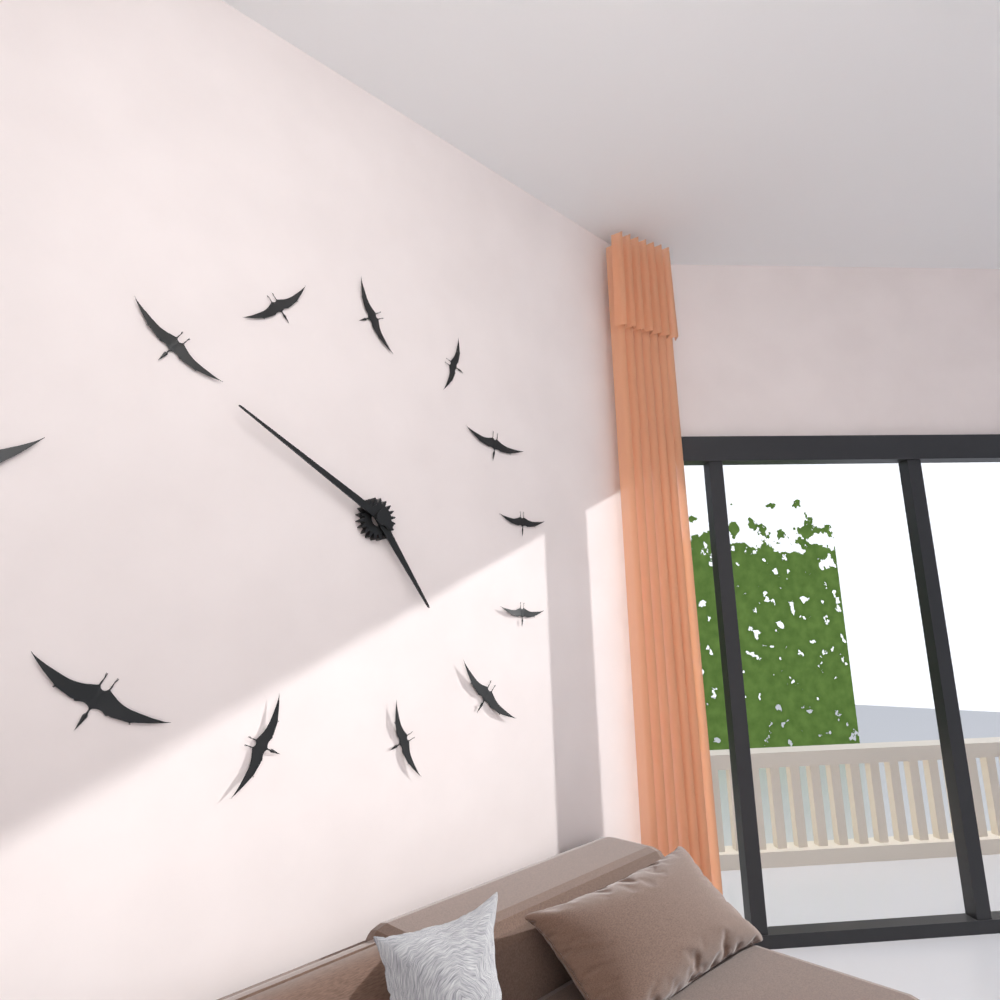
4:50
